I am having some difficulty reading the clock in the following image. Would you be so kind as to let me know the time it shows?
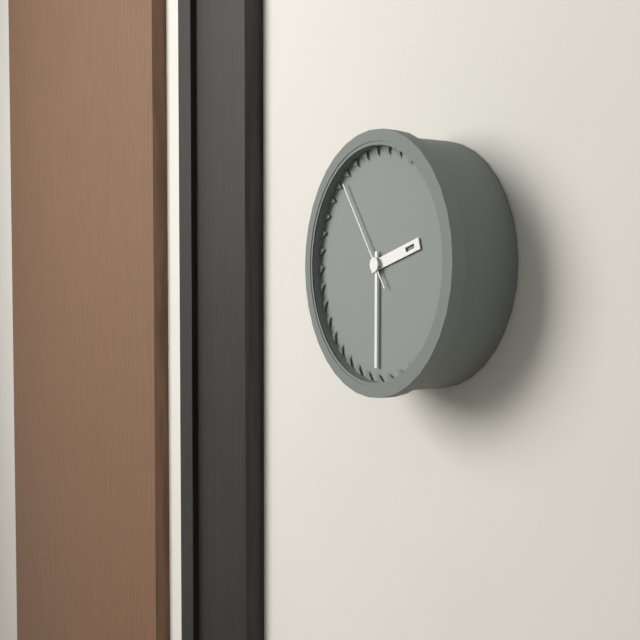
2:30:54
